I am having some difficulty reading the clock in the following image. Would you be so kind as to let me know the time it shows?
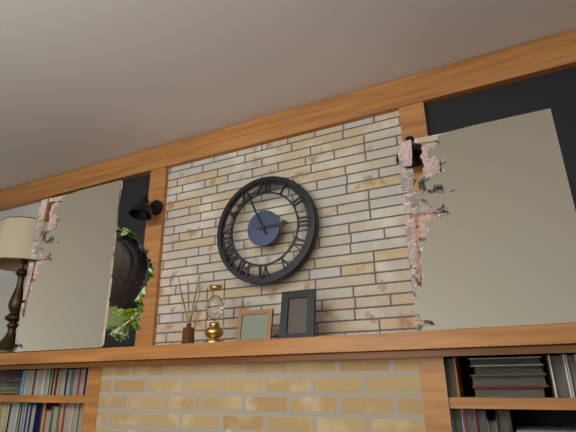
2:56
